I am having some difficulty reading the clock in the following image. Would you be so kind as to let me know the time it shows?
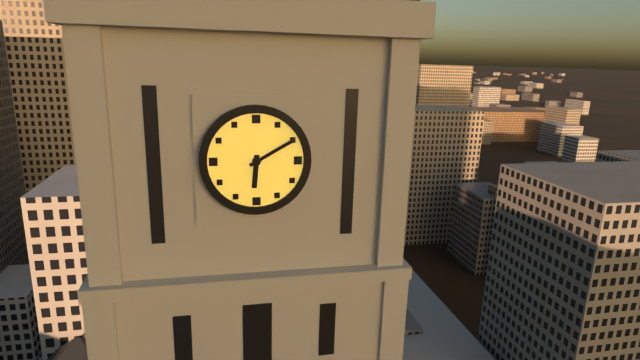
6:10
